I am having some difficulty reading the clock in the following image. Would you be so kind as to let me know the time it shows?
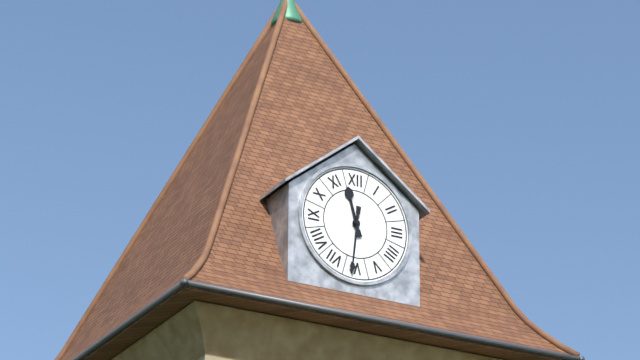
11:31
